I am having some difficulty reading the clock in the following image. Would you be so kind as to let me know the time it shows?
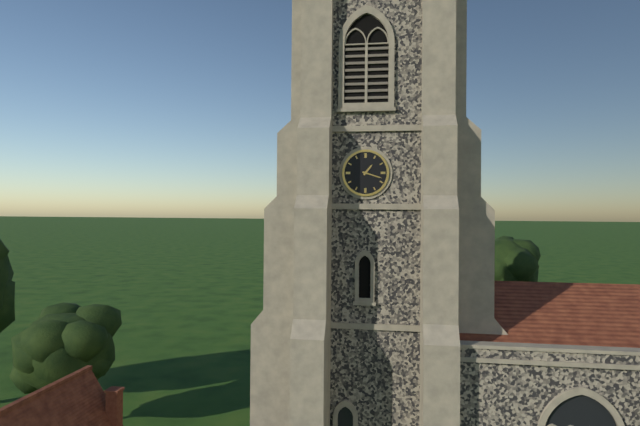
1:18
